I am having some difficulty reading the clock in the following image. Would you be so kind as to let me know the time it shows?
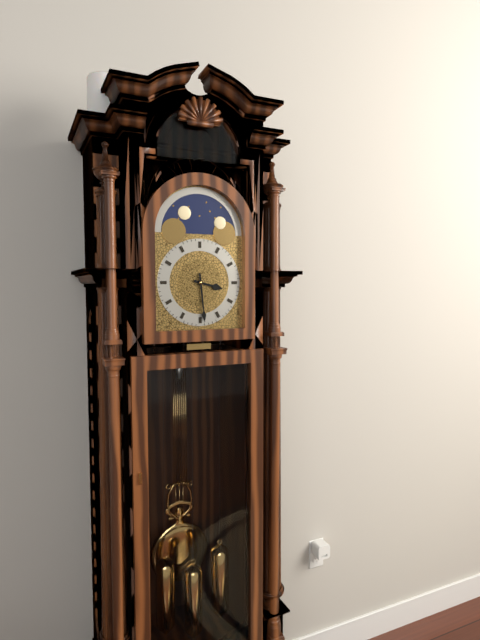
3:29
